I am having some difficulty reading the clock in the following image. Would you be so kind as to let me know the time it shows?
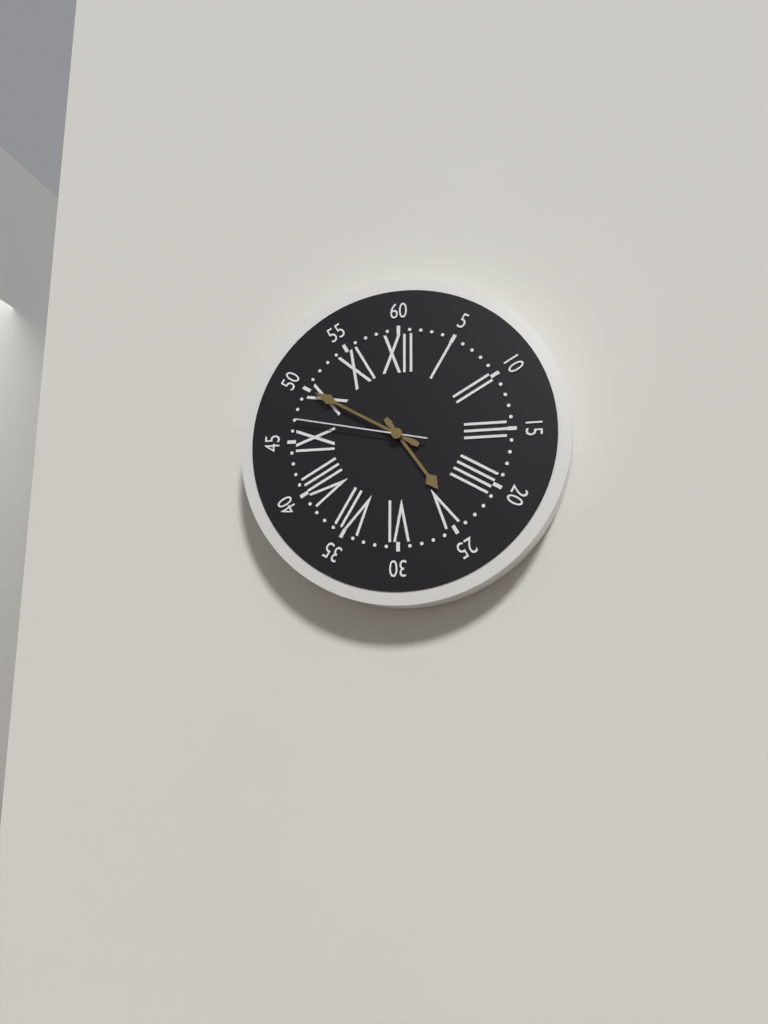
4:50:47
